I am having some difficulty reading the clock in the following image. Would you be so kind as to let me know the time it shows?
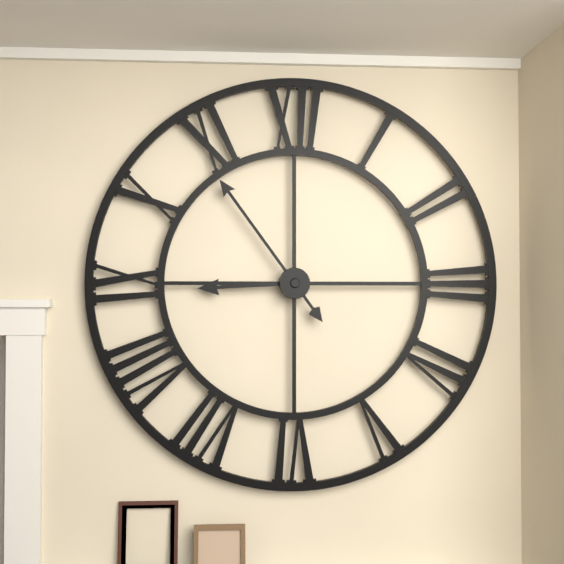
8:54
